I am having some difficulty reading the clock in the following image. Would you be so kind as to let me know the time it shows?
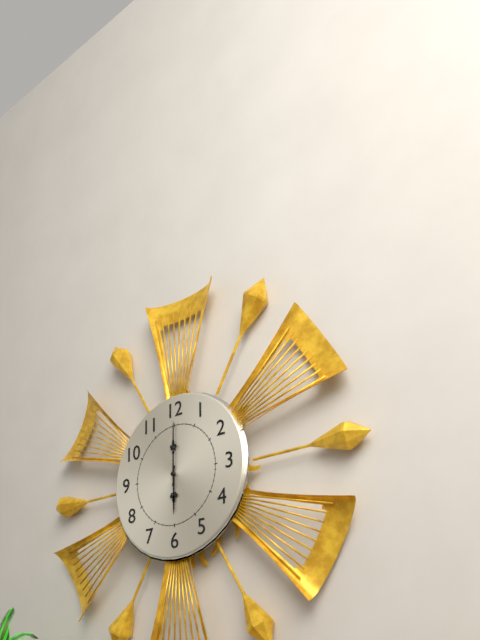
6:00
